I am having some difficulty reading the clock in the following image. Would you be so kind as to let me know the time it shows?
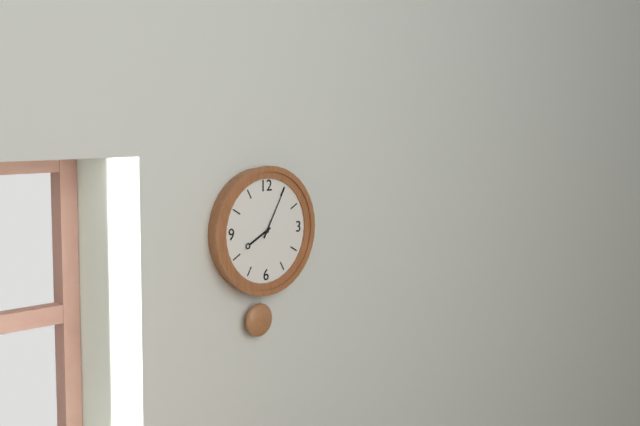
8:05
